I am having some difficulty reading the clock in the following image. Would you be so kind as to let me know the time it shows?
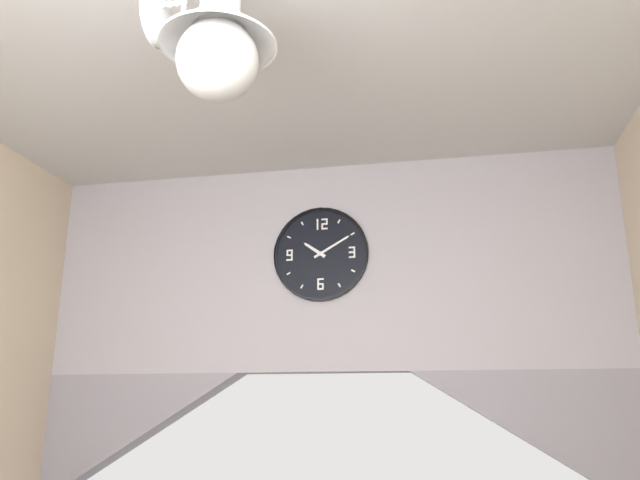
10:10
